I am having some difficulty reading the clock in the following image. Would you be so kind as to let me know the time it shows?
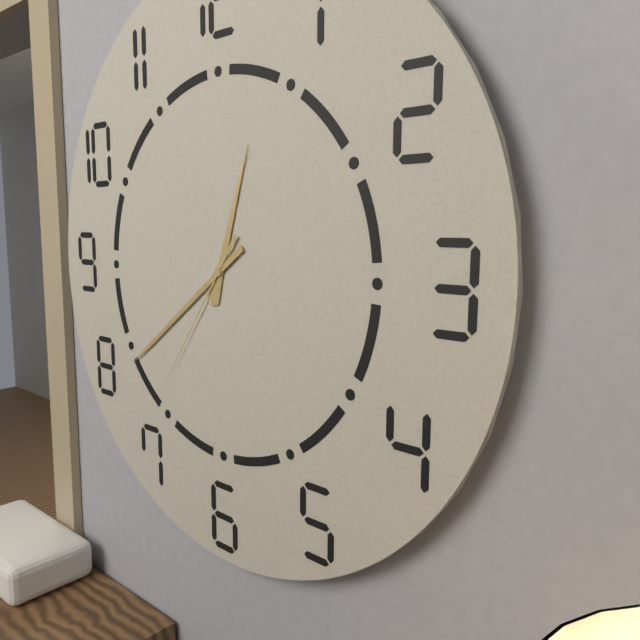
12:39:36
